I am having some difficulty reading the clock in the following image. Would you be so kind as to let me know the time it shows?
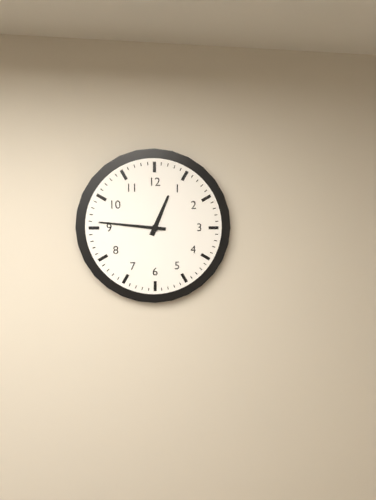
12:46
